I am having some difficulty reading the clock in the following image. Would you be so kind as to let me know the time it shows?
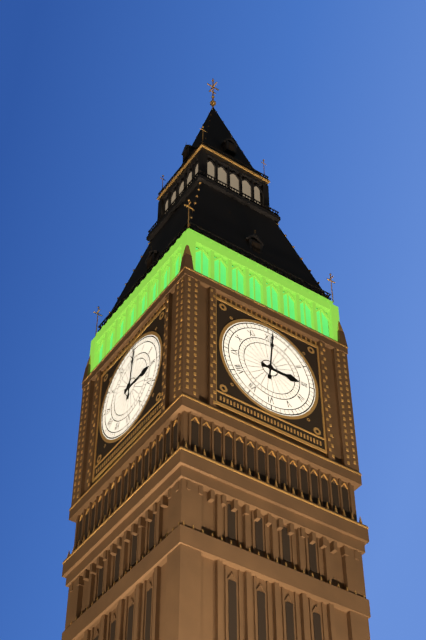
3:01
